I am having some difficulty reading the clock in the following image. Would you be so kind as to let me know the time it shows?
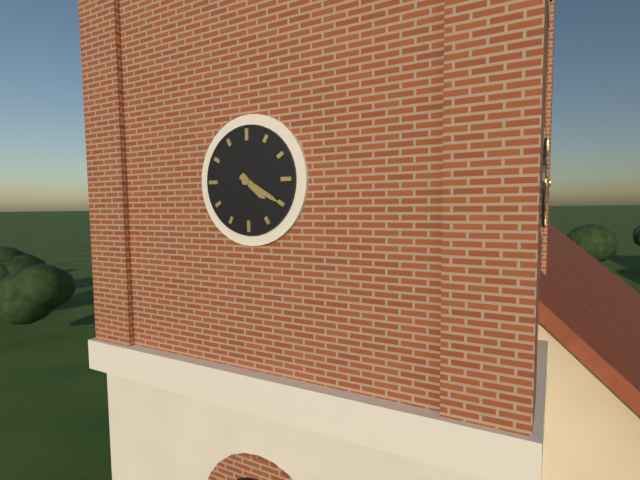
4:20
